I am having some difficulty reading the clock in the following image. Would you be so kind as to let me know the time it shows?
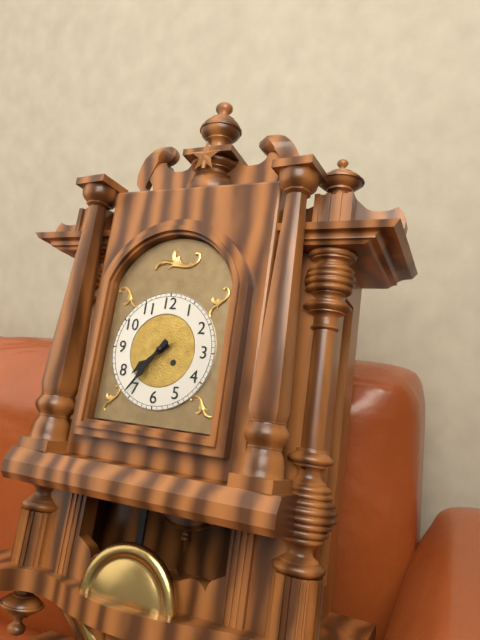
7:36
